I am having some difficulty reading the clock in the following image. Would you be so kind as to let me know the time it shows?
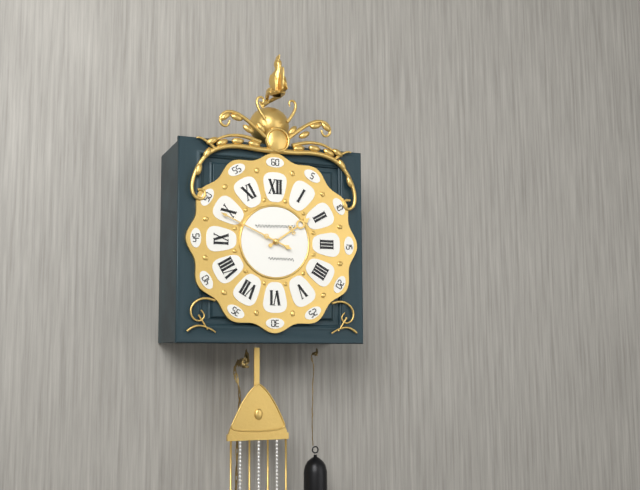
1:49
